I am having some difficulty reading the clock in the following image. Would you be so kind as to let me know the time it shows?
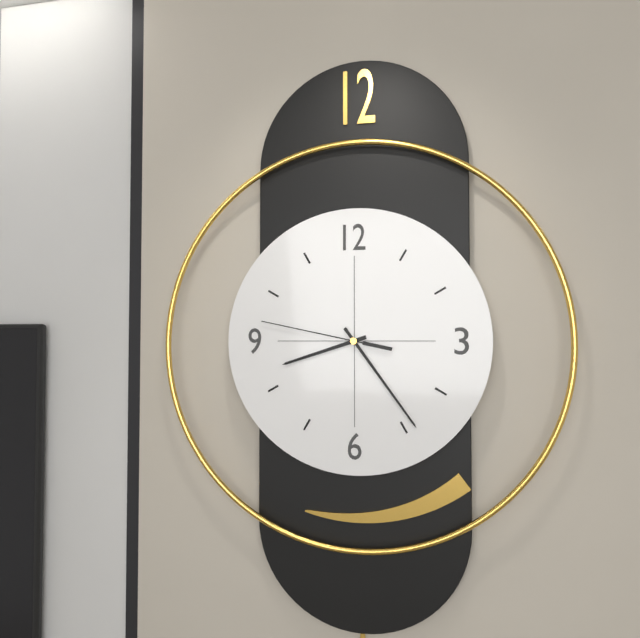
8:24:47
